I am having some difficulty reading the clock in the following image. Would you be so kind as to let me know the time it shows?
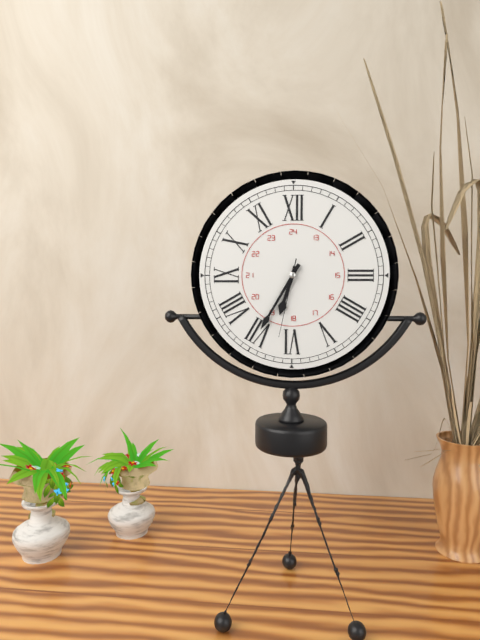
6:35:32
